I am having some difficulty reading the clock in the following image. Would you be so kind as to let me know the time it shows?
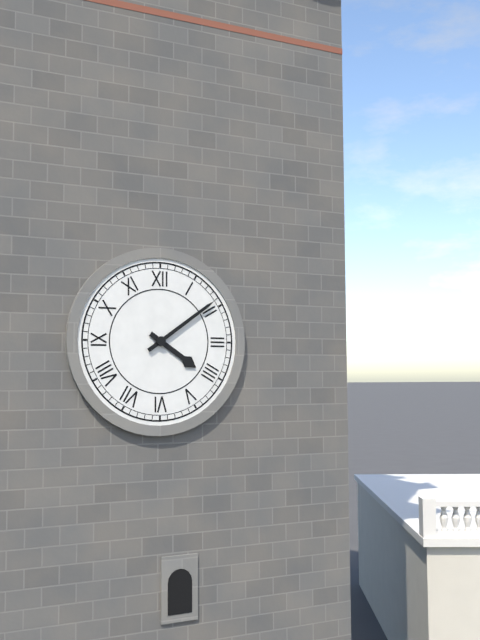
4:09
